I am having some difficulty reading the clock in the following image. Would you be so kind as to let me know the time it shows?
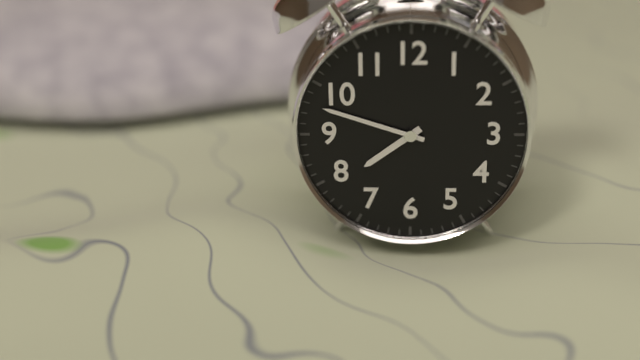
7:48
